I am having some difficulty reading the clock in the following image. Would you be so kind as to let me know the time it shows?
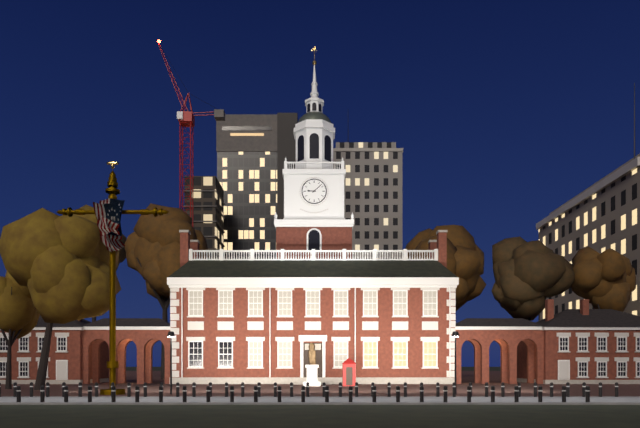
9:08
